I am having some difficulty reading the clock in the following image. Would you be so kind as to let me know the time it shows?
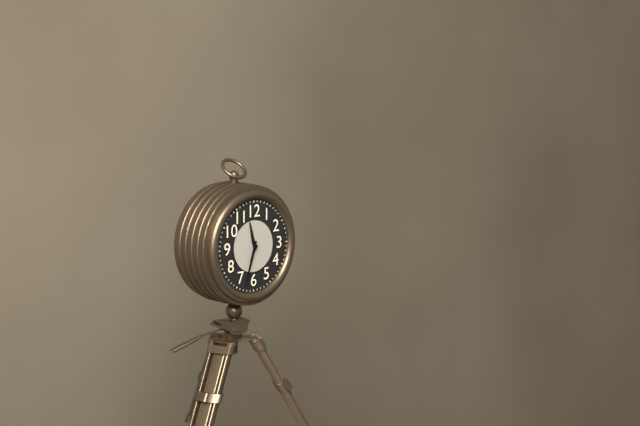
11:33
